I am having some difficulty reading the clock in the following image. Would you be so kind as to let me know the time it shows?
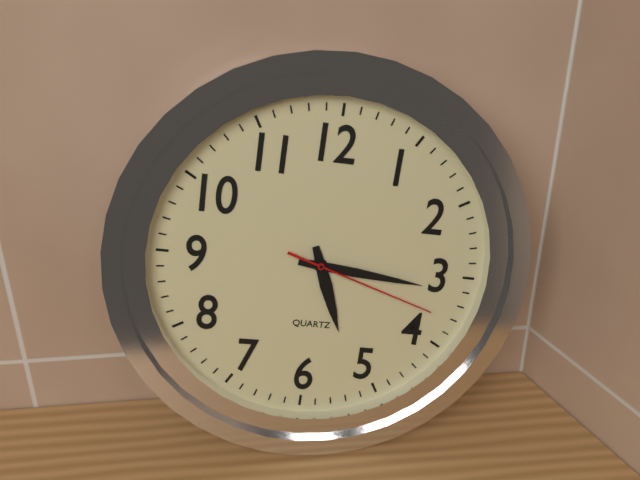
5:16:18
